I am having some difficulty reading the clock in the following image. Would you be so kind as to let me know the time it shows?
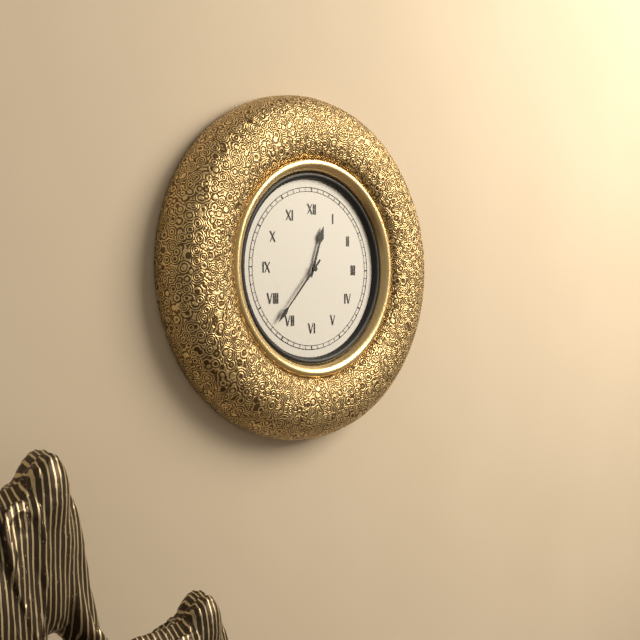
12:37
